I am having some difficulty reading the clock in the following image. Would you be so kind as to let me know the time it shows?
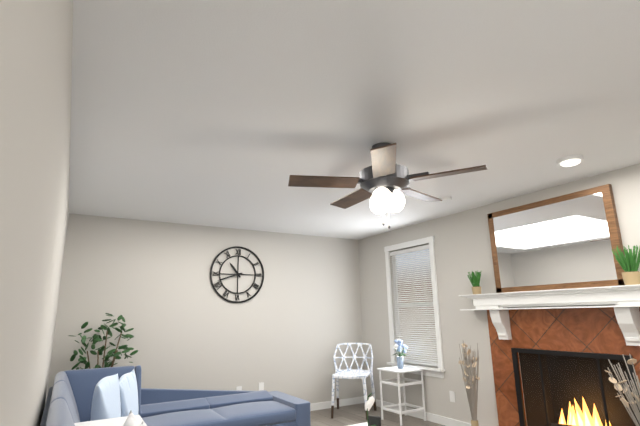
10:42
